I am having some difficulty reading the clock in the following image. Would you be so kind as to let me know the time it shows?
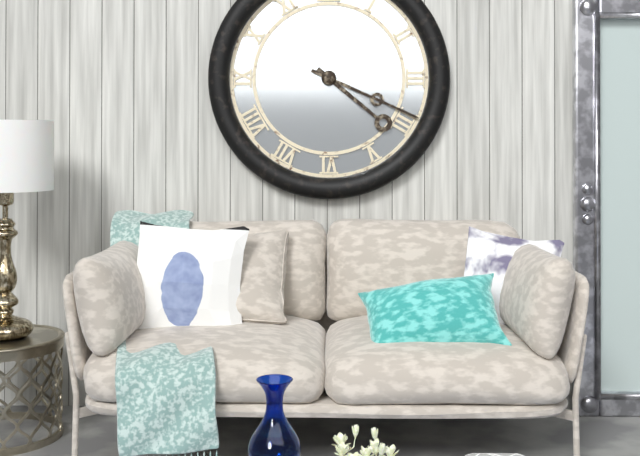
4:19
